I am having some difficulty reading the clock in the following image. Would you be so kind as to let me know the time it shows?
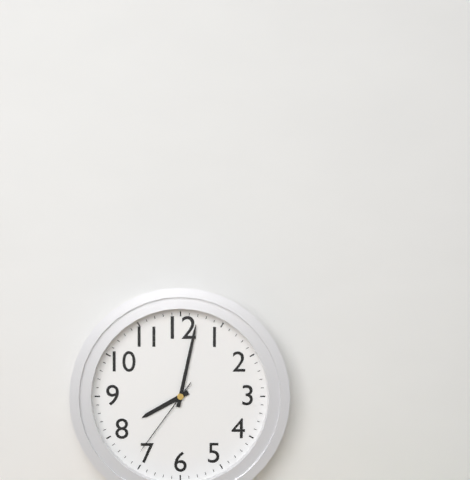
8:02:36
